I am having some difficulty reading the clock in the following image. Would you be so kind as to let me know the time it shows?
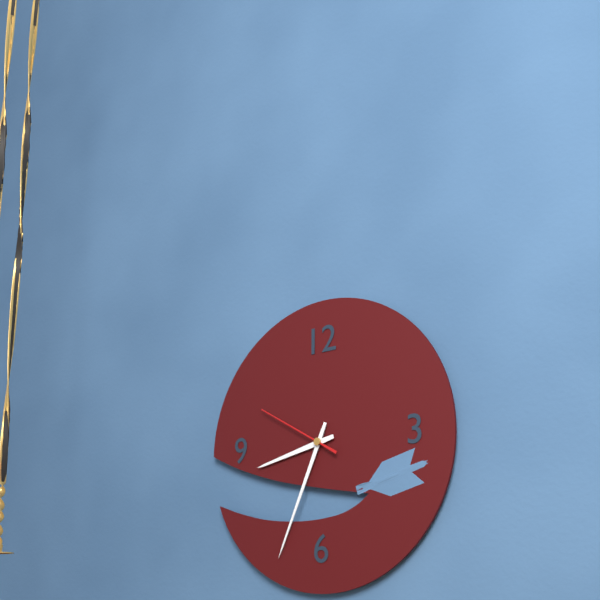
8:34:50
